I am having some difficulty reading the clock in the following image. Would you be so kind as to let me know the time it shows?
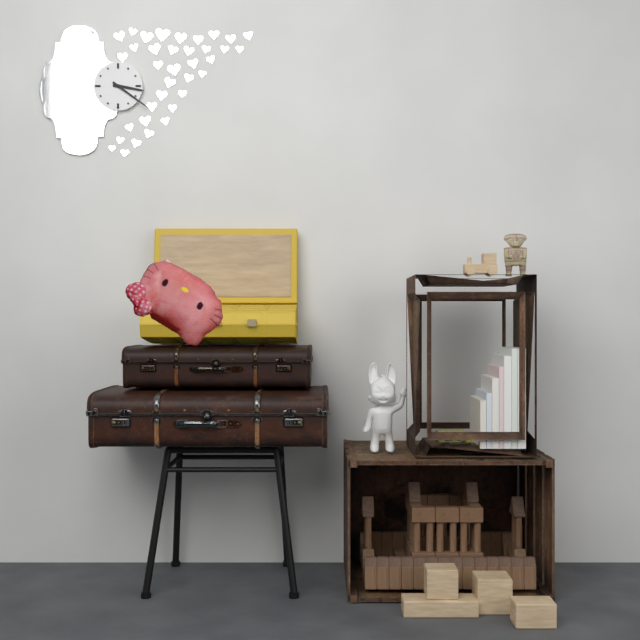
3:21
